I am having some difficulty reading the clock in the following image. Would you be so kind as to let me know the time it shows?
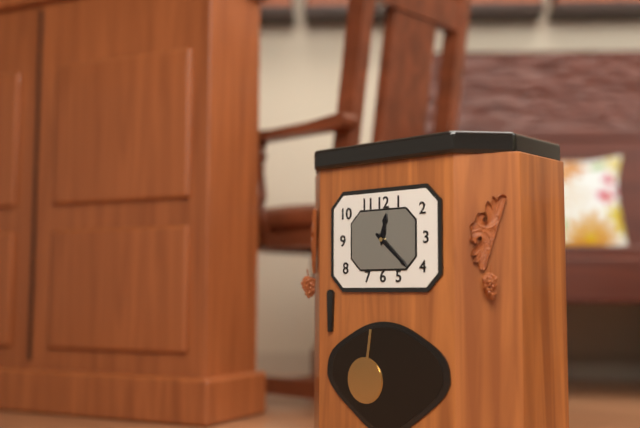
12:22
